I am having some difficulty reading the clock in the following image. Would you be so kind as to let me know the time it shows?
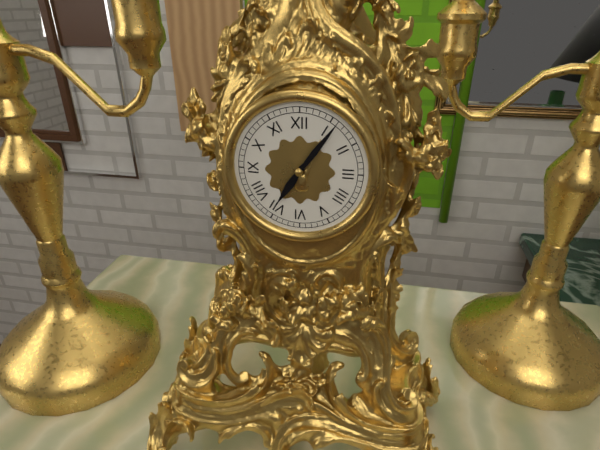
7:06
